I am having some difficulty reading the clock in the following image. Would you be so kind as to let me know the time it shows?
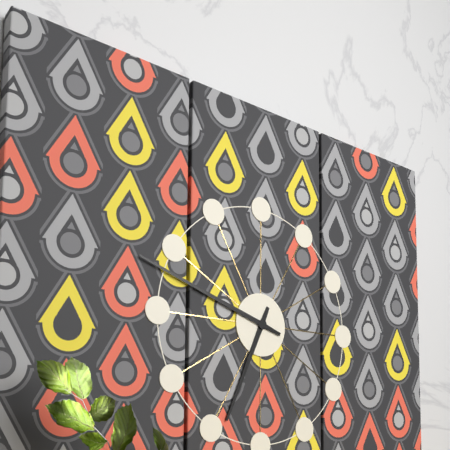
6:48
